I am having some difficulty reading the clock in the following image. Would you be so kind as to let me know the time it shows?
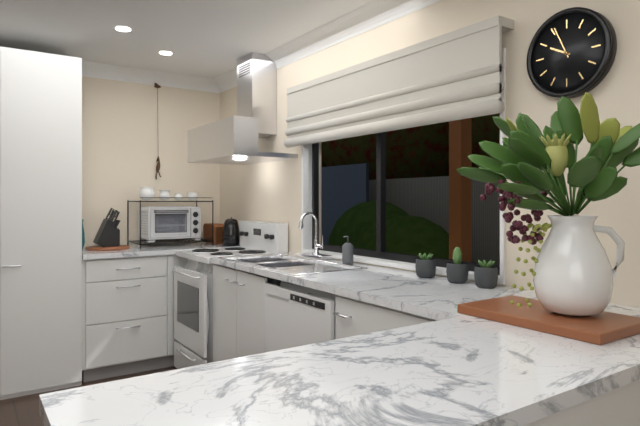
9:56
